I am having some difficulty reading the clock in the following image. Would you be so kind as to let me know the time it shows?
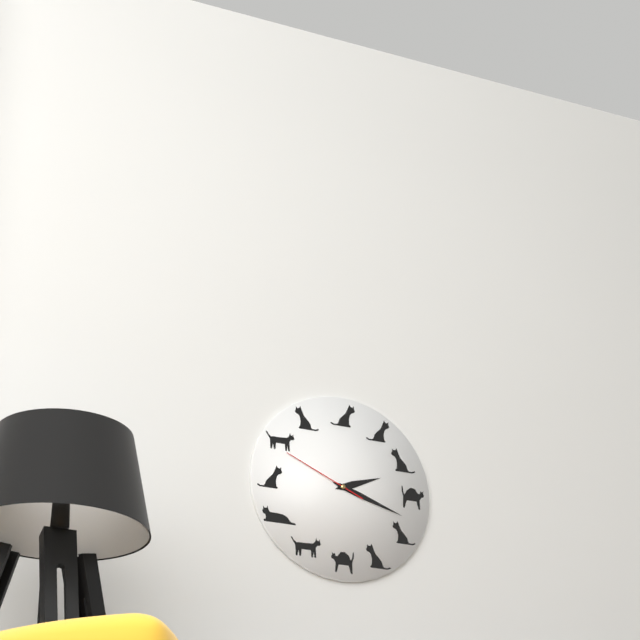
2:18:49
